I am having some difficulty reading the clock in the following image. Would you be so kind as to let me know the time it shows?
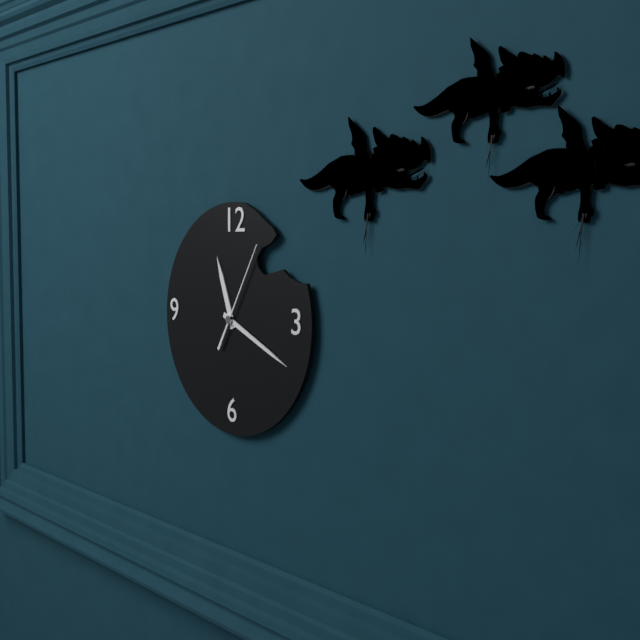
11:19:05
